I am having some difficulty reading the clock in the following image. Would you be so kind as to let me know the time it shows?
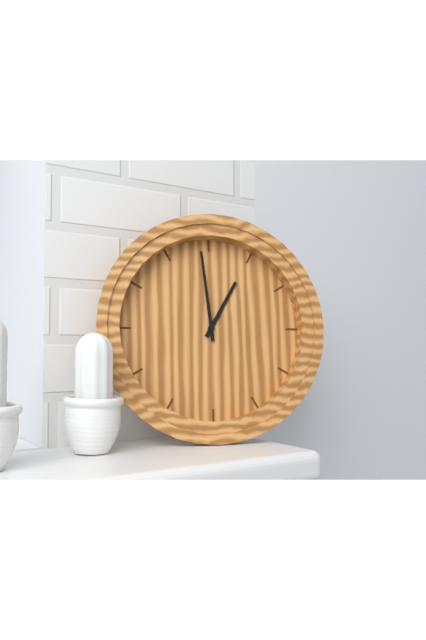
12:59
